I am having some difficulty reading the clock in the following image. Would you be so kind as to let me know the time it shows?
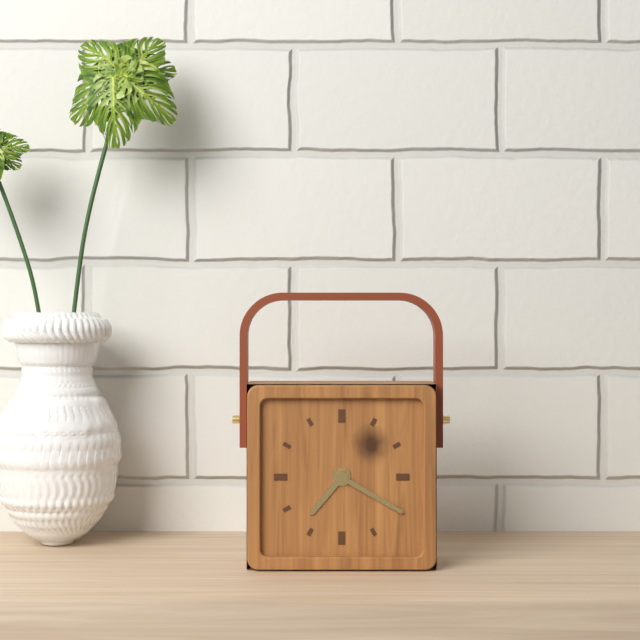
7:20
